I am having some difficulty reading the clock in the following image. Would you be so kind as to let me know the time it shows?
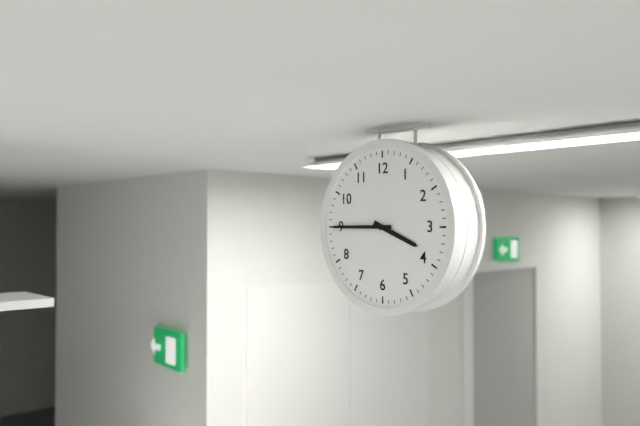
3:45
